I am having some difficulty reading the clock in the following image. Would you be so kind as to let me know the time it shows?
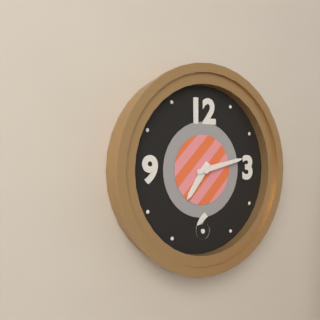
7:13
